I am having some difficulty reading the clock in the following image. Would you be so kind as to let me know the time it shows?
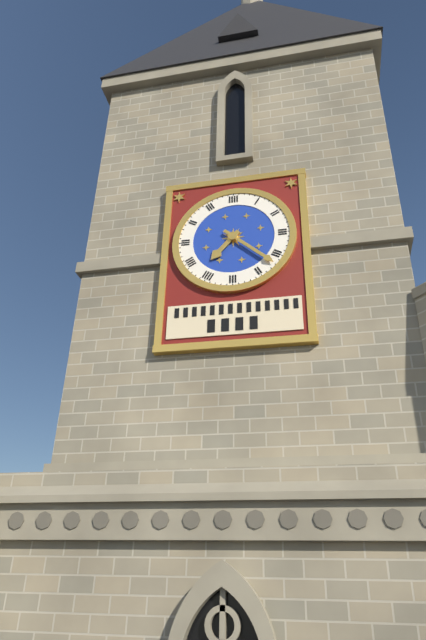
7:22
